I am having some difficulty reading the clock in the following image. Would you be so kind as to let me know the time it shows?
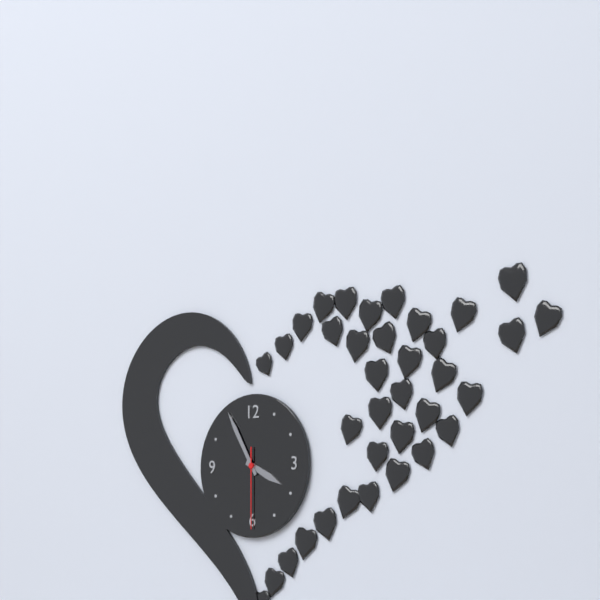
3:55:30
